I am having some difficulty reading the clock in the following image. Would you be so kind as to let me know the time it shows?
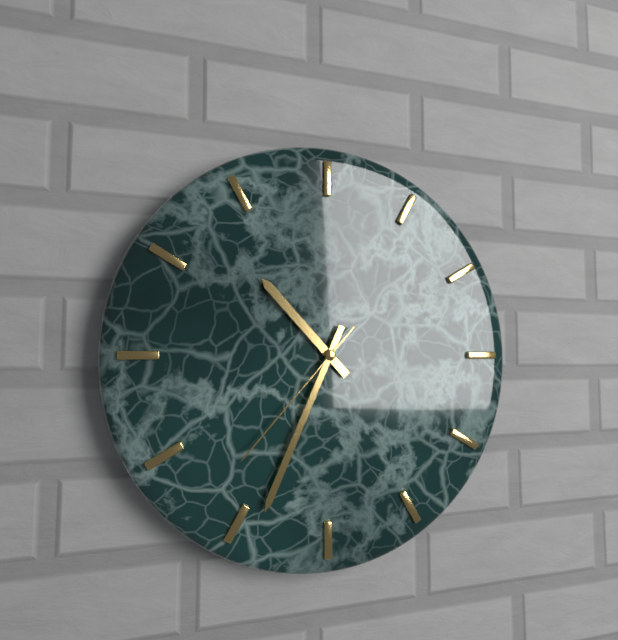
10:34:37
